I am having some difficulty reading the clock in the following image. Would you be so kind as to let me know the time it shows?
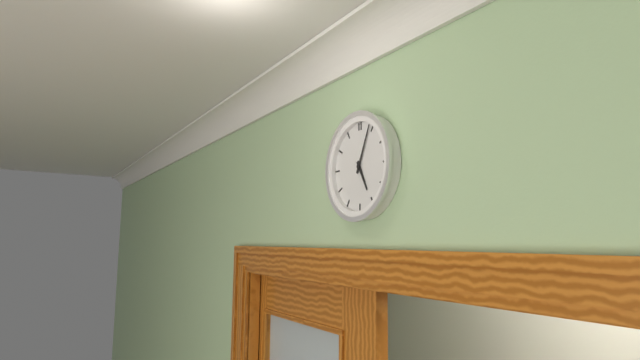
5:04
